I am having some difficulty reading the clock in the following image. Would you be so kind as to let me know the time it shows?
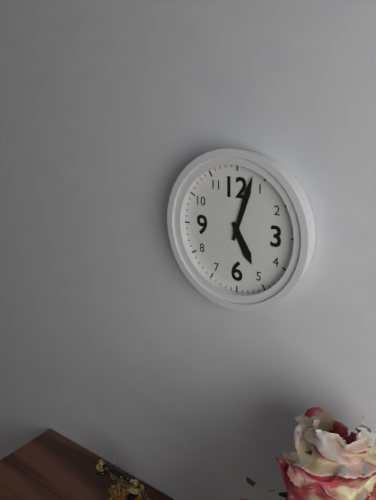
5:03
